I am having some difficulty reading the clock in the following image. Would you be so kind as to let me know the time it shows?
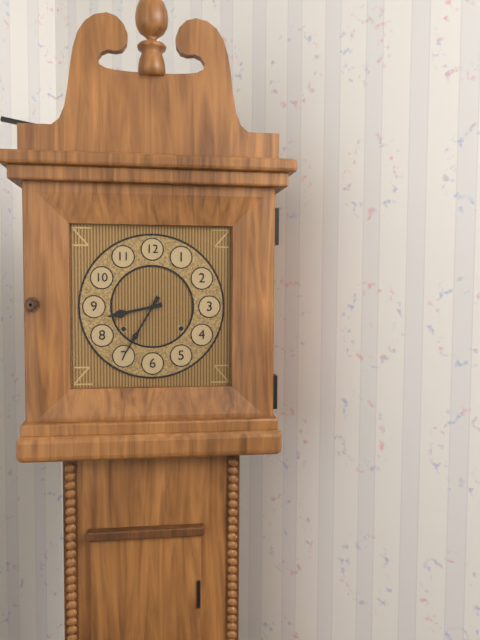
8:35
